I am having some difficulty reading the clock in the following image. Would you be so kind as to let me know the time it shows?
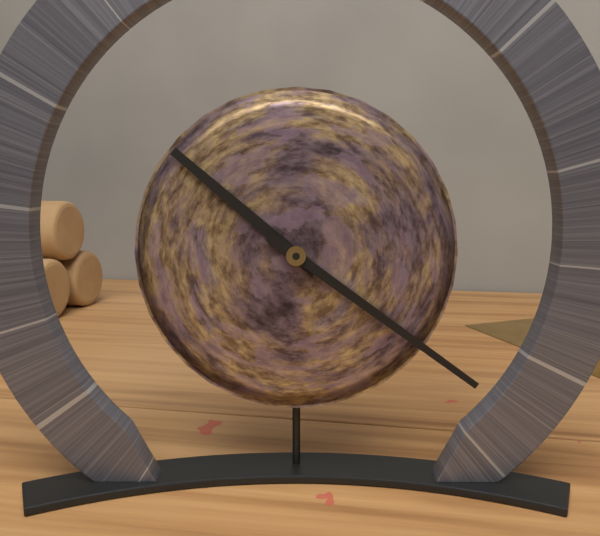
10:21
